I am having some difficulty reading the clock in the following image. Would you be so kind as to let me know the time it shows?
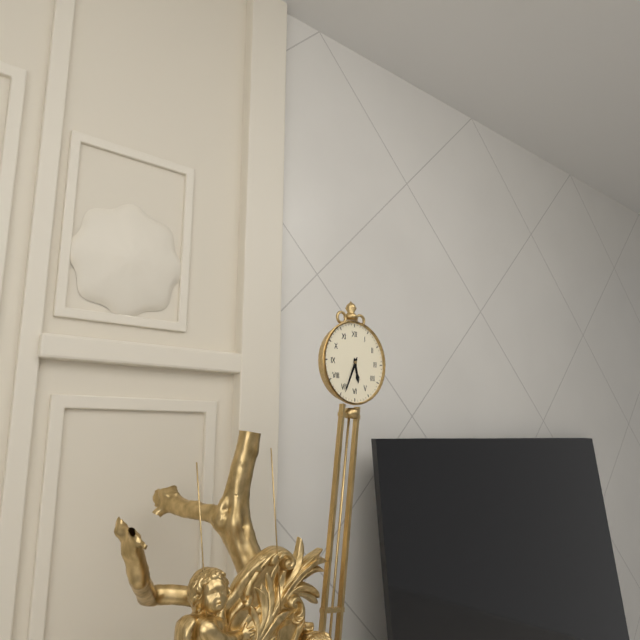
5:34
